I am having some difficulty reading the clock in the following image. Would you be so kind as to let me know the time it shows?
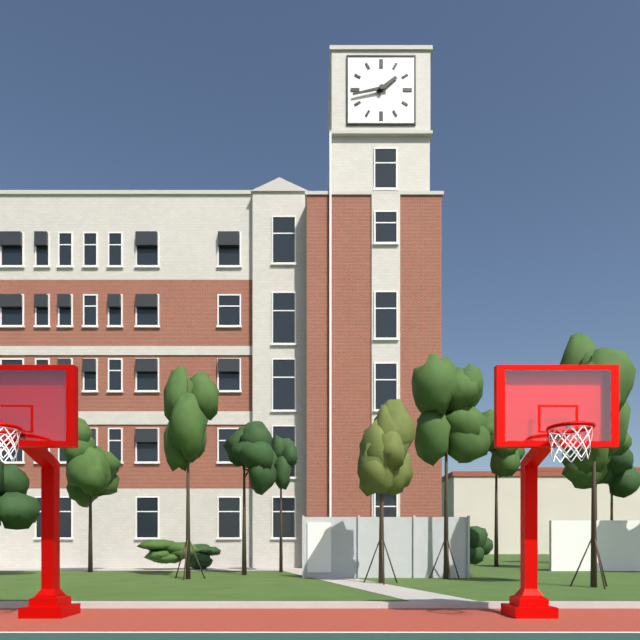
1:43
